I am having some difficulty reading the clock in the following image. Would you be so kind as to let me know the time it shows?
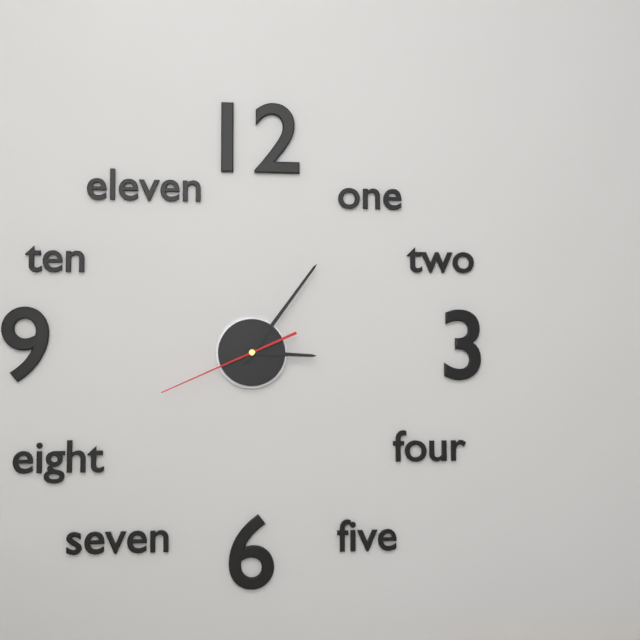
3:06:41
